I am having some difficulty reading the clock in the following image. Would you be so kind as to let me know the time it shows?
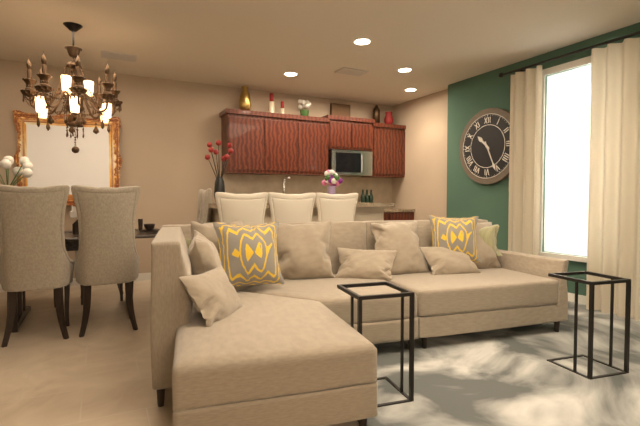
10:26
